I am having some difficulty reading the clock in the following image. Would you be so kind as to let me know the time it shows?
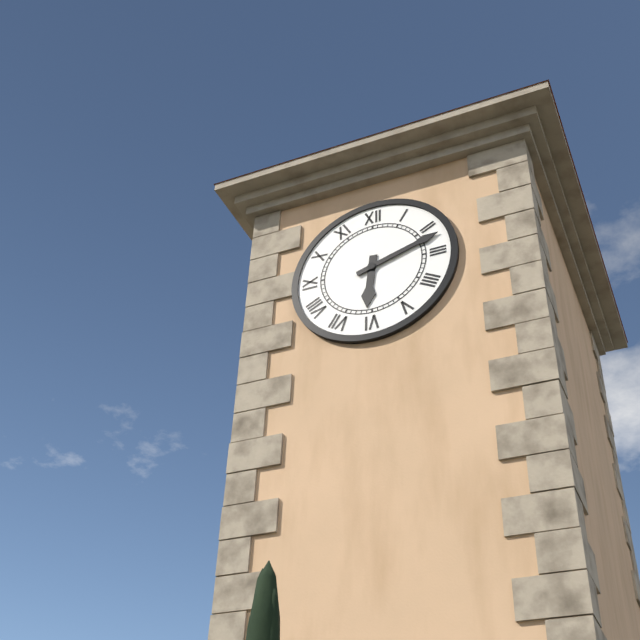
6:12
